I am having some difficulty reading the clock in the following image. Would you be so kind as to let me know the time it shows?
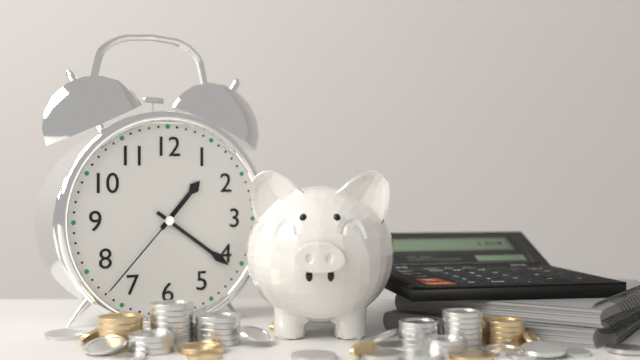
1:21:37
